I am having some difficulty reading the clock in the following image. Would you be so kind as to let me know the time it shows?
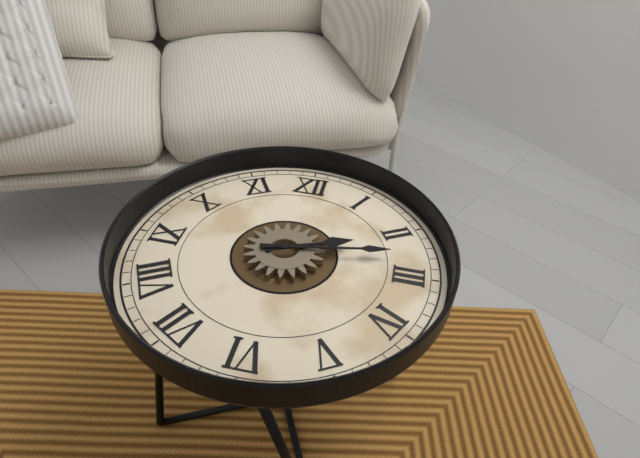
2:13
